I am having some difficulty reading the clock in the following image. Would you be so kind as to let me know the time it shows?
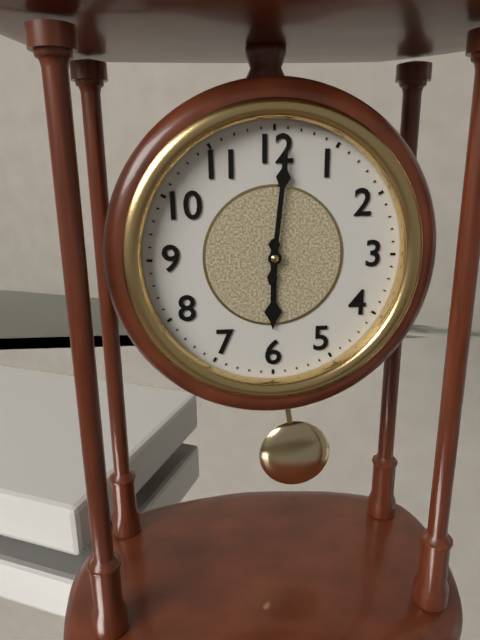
6:01
